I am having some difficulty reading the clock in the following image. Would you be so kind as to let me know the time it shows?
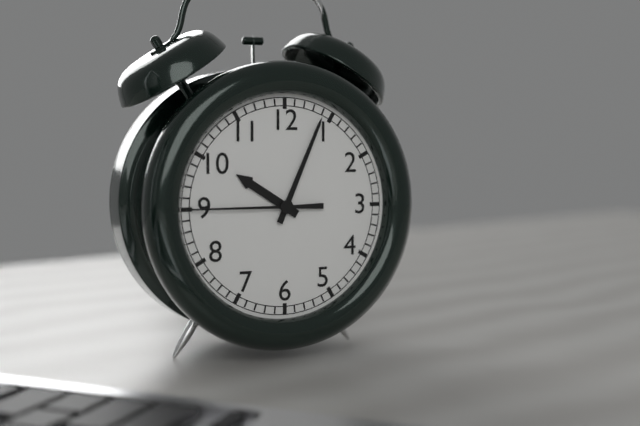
10:04:45
